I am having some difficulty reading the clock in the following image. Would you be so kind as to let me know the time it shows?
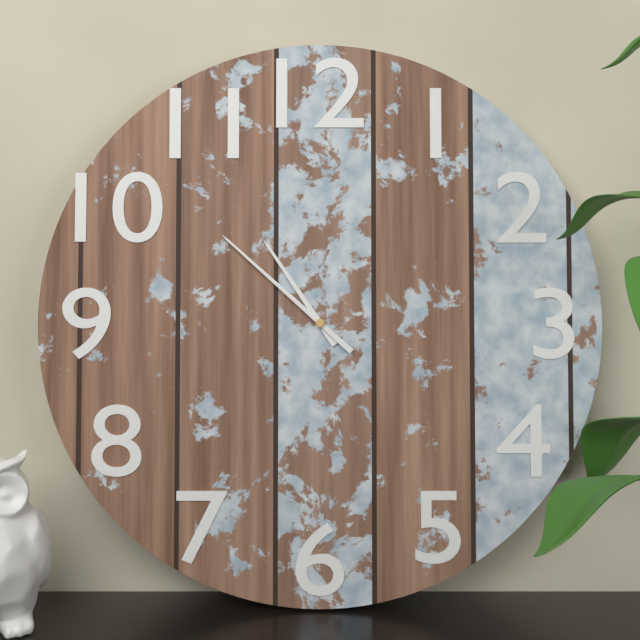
10:52
